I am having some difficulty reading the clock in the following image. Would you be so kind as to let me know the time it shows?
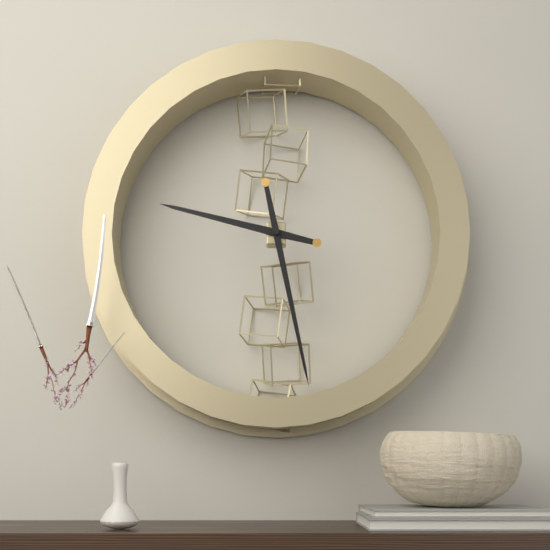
9:28
